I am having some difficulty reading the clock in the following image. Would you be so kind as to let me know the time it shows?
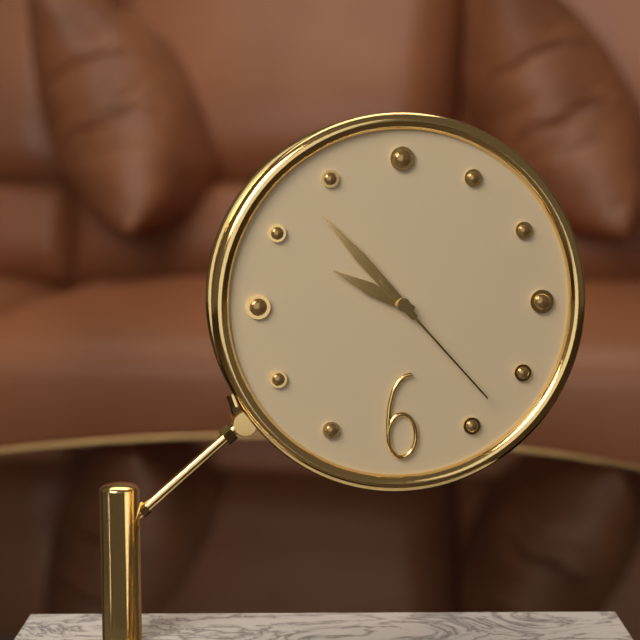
9:53:23
